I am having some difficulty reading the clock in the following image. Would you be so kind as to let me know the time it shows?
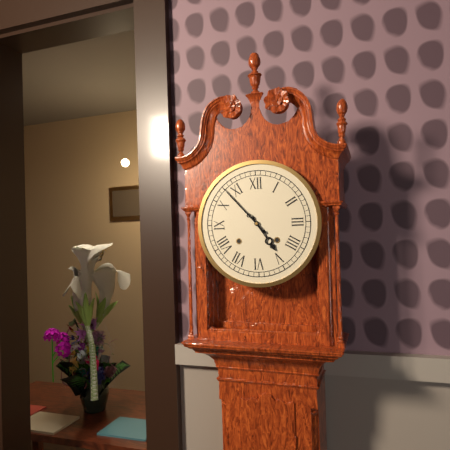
4:53
